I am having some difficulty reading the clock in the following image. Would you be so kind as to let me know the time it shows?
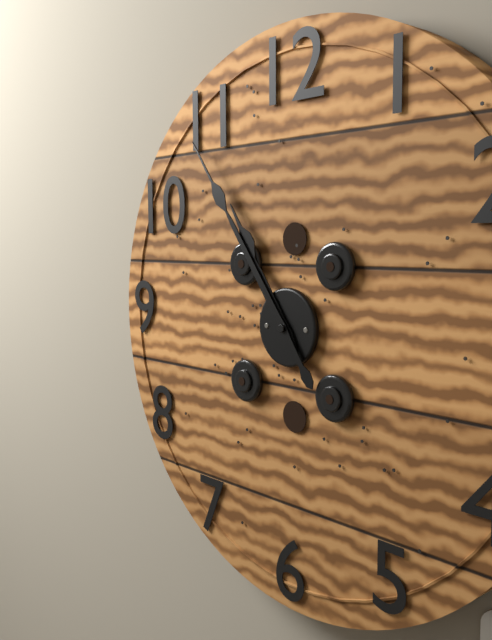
10:54
